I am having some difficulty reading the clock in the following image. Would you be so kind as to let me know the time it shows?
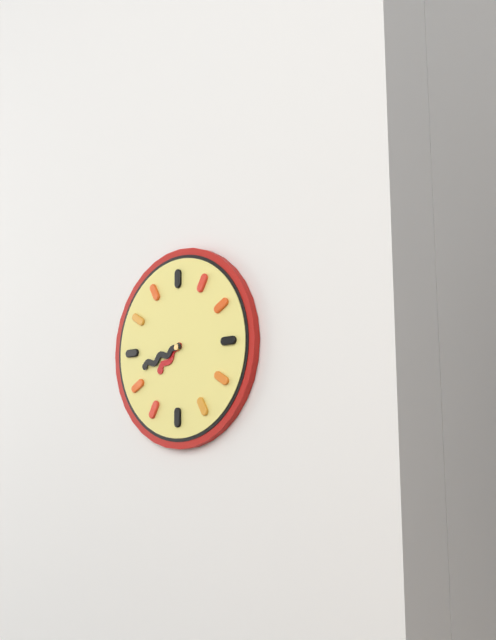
7:42
